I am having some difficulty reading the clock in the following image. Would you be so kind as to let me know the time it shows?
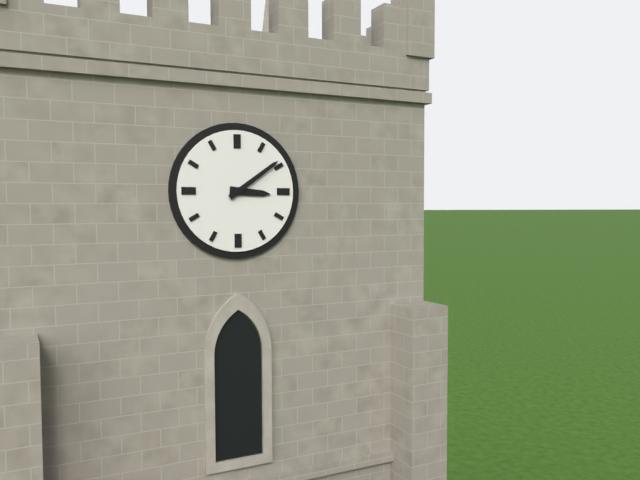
3:09
